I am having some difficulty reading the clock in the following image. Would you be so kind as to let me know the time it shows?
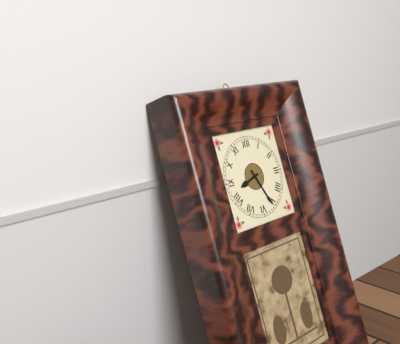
8:26
